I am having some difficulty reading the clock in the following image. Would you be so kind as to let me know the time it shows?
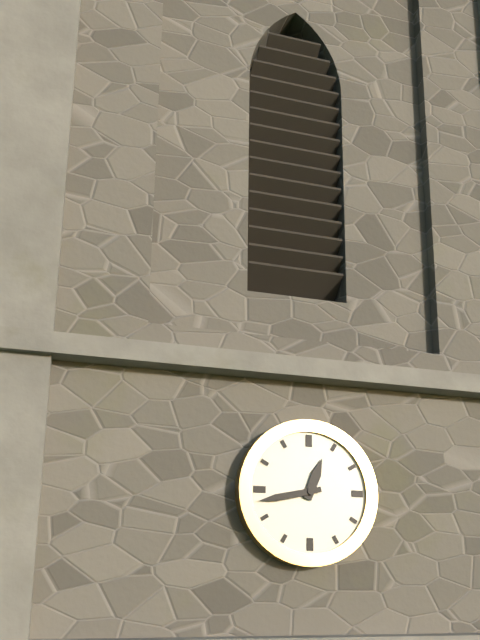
12:43
